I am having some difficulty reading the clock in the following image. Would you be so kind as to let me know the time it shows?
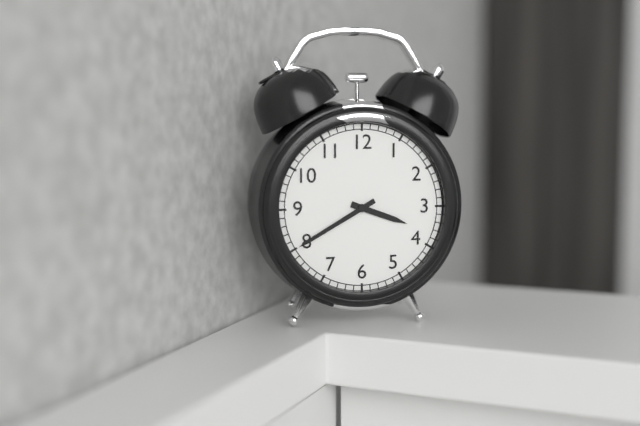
3:40
